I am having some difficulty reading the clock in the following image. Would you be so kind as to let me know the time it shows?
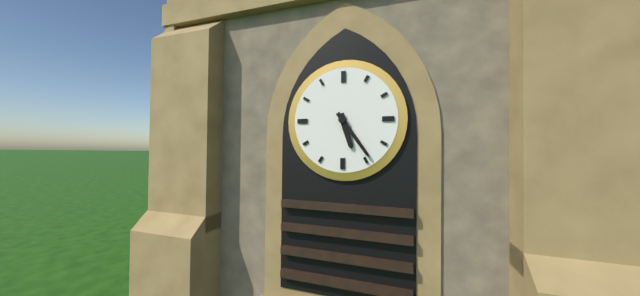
5:24
